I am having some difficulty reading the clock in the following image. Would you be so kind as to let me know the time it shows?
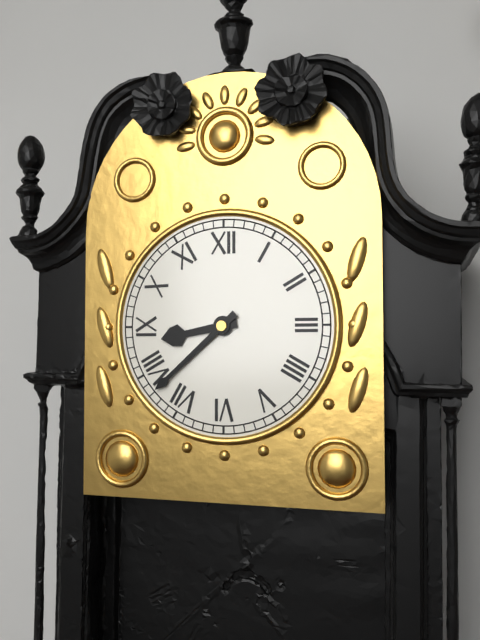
8:38
